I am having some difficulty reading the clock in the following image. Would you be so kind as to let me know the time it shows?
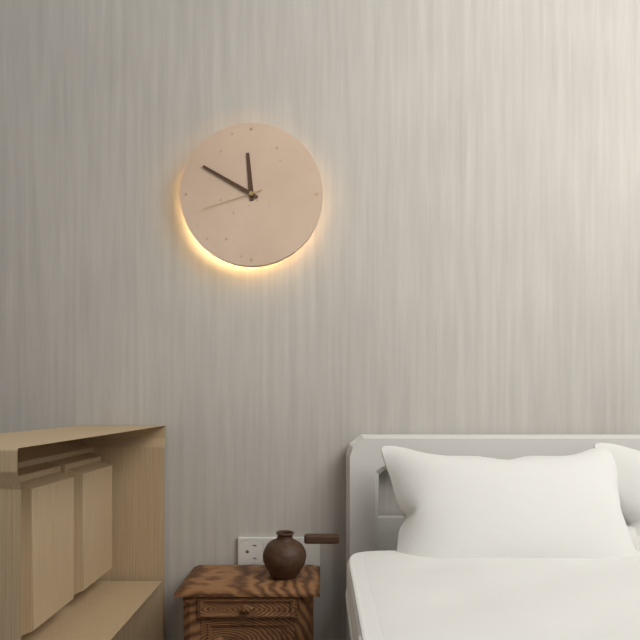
11:50:42
